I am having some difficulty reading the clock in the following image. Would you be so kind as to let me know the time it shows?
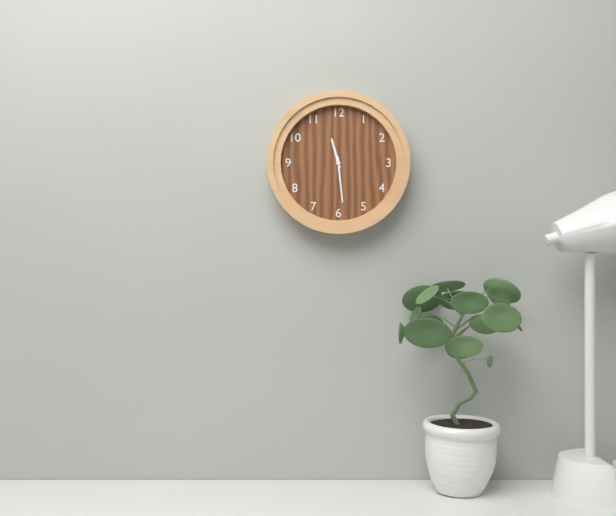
11:29
